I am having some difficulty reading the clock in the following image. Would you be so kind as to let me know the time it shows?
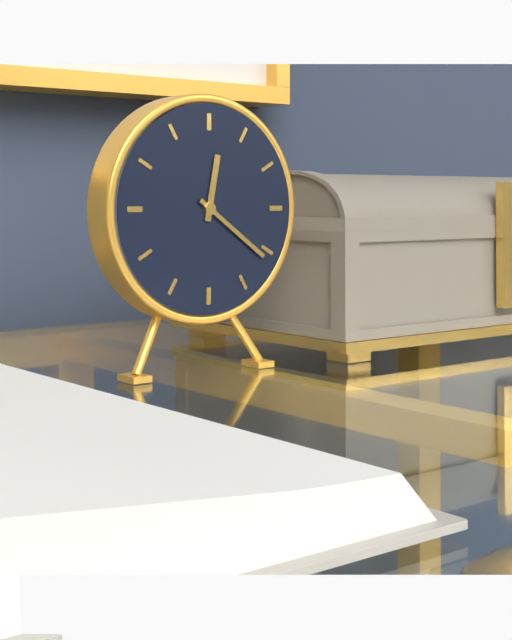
12:21
